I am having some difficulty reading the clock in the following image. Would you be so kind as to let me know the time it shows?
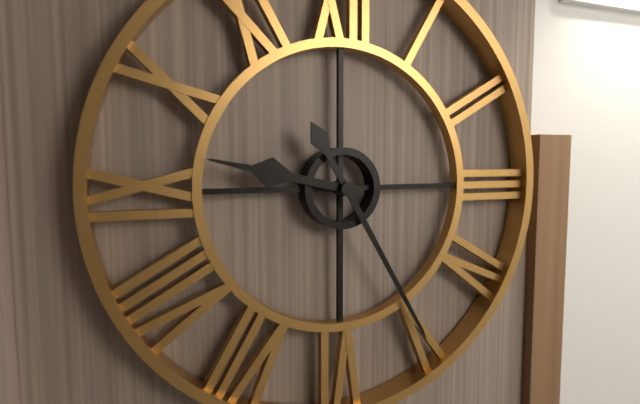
9:25
